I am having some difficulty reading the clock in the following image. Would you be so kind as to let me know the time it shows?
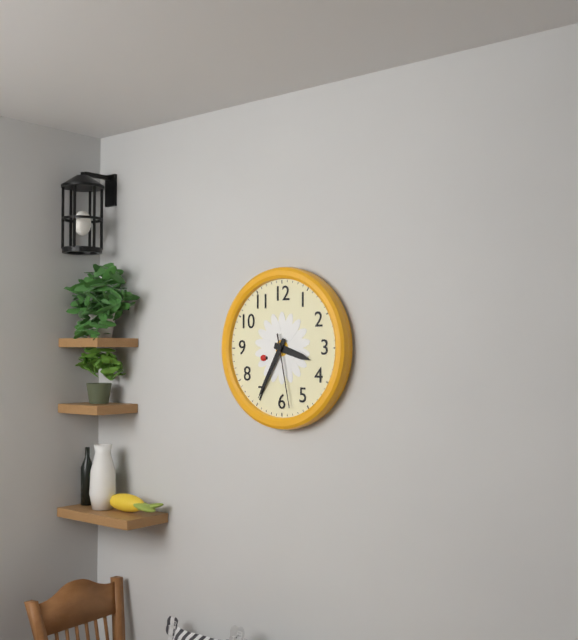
3:35:28
